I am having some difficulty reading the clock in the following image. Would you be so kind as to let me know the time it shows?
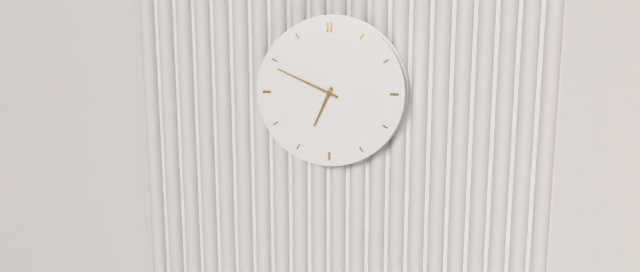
6:49
